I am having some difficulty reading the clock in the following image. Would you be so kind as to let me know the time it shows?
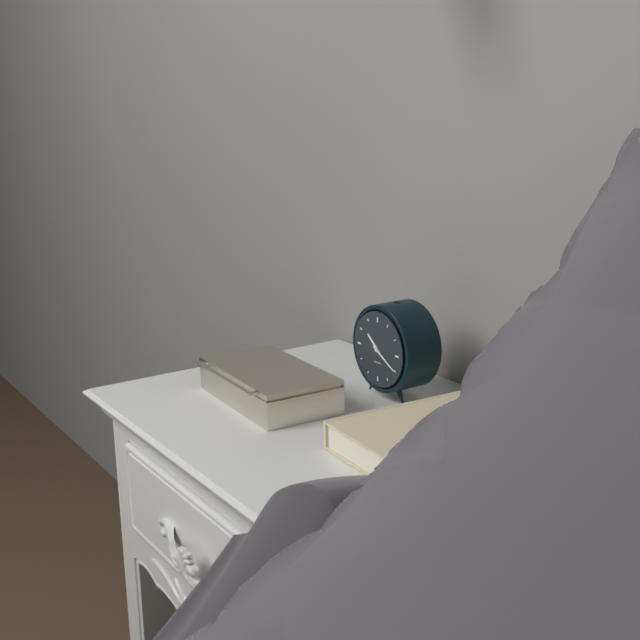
10:20
